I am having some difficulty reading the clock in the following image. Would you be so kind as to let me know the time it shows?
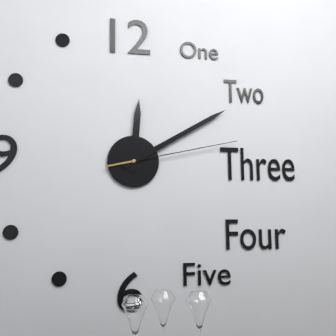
12:10:13
